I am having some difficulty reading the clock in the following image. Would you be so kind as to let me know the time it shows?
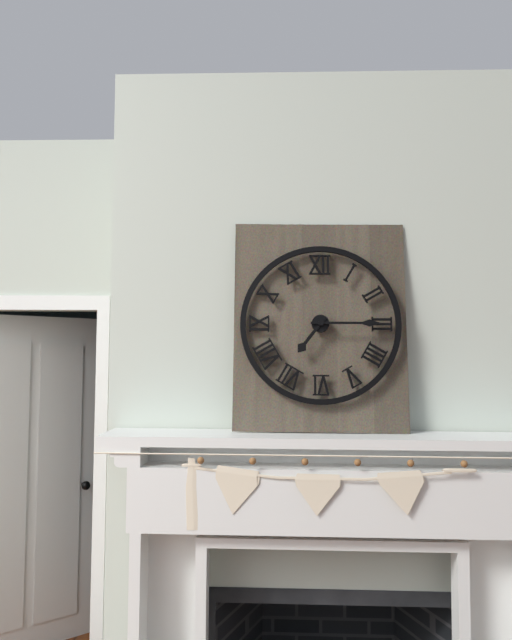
7:15
